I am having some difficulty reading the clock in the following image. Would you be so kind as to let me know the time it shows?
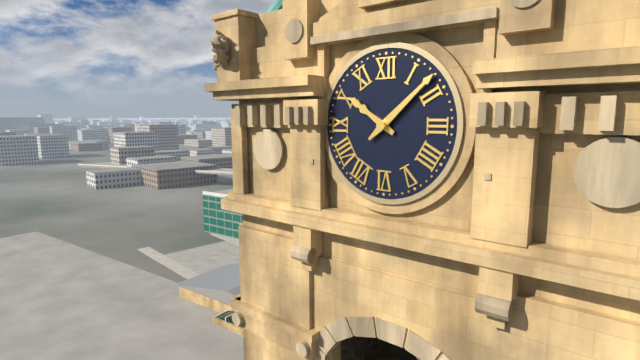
10:08
